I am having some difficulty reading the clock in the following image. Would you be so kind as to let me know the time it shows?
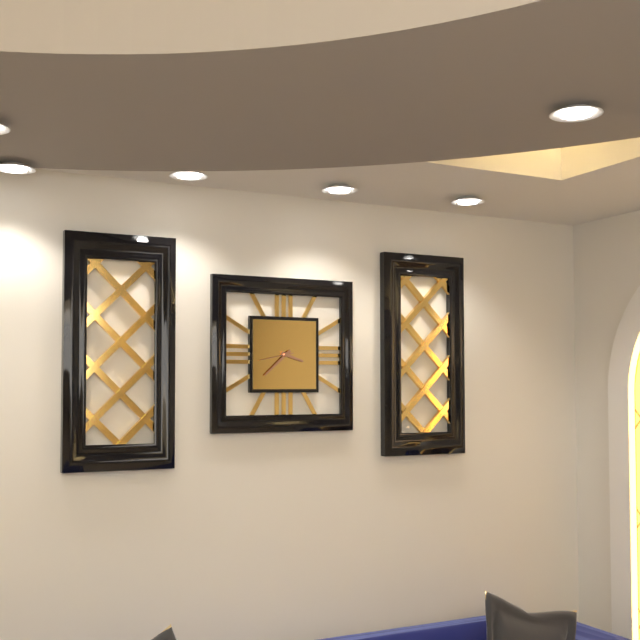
3:38
